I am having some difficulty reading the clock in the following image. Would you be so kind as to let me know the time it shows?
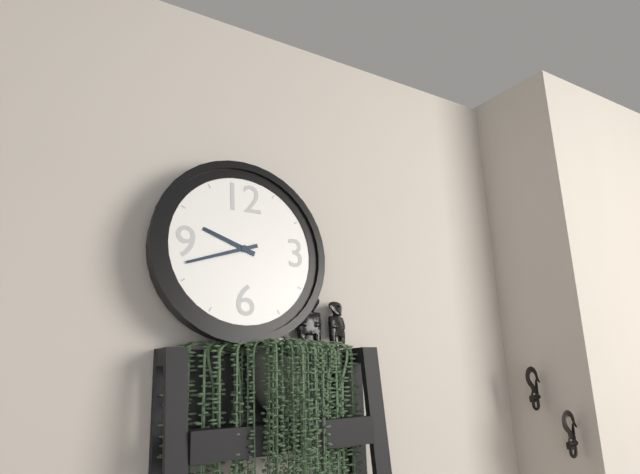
9:42
